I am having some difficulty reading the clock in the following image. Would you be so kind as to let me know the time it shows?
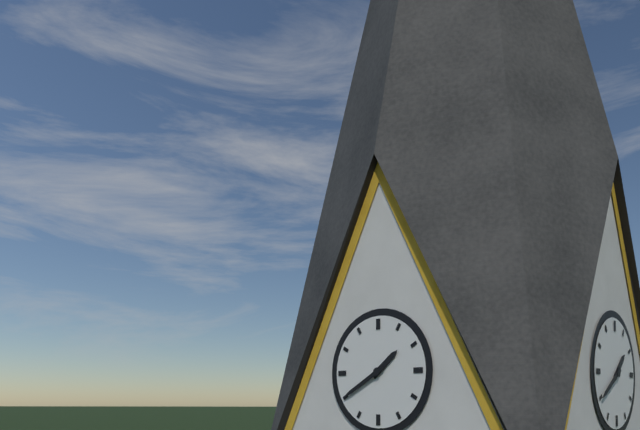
1:40
